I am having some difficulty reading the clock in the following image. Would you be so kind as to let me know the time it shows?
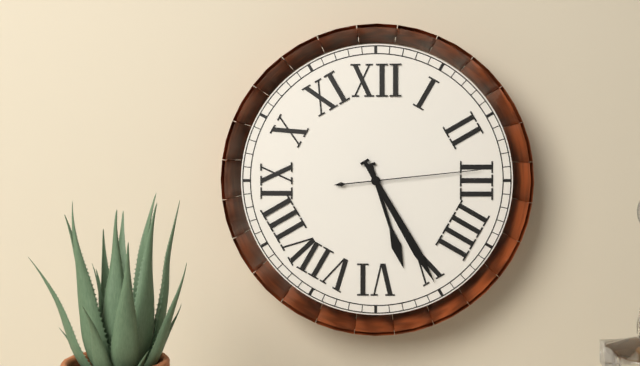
5:25:14
